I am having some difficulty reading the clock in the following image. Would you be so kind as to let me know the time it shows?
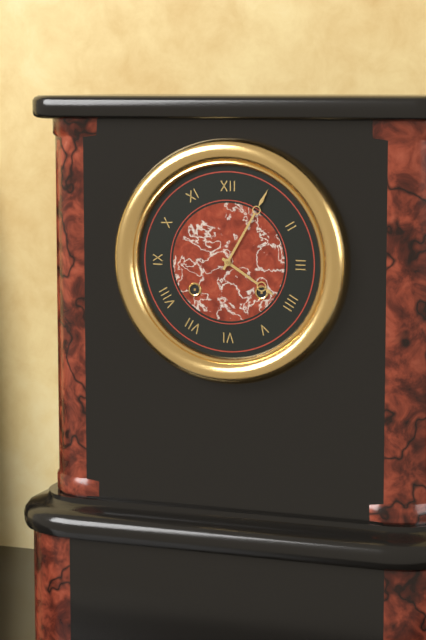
4:05
